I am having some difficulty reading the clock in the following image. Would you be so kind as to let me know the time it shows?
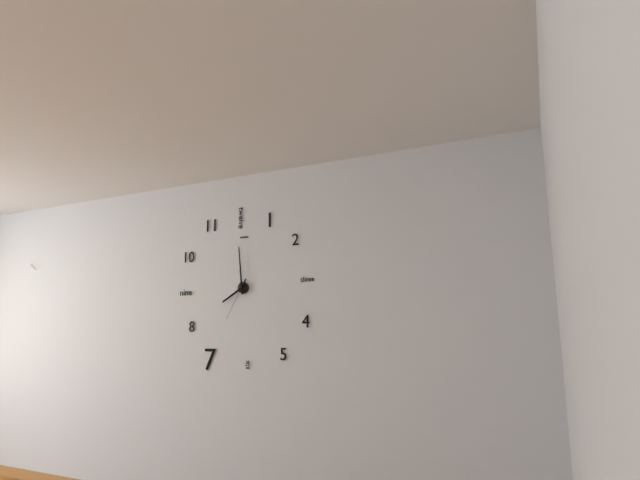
7:59
